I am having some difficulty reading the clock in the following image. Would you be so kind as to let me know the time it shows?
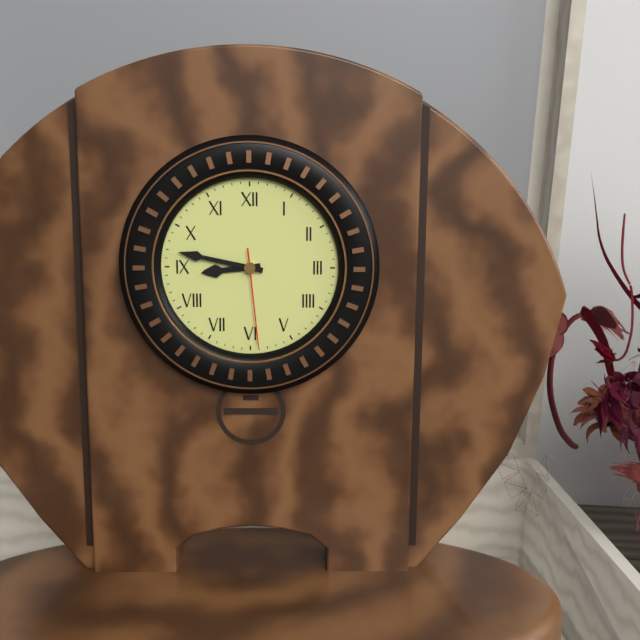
8:47:29
